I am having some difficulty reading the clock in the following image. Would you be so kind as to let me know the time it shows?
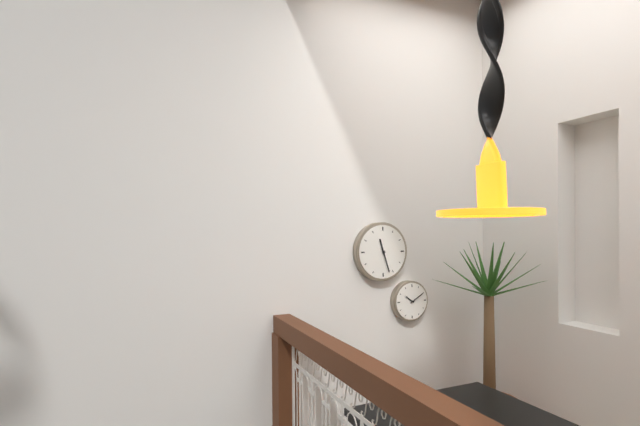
11:27
